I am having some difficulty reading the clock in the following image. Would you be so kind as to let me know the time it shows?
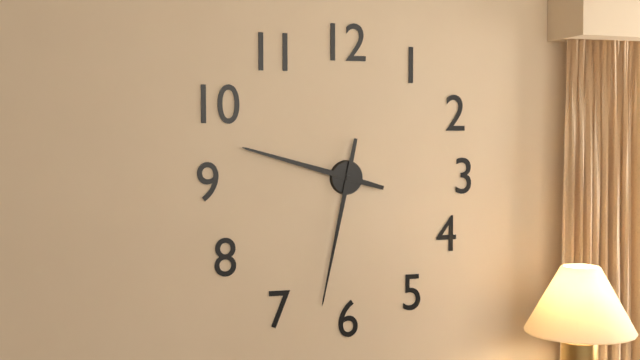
9:32
